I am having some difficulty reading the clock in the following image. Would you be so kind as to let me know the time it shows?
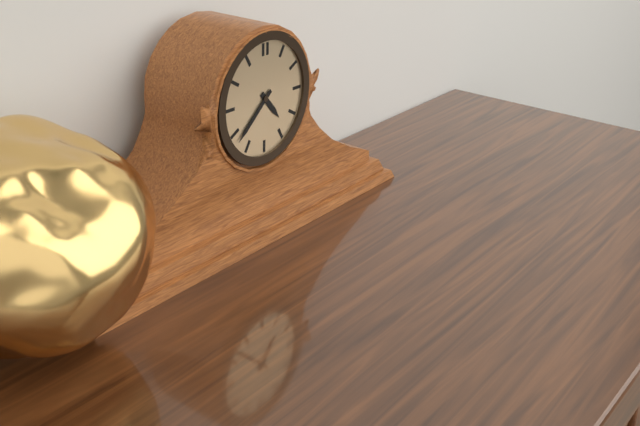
4:38
